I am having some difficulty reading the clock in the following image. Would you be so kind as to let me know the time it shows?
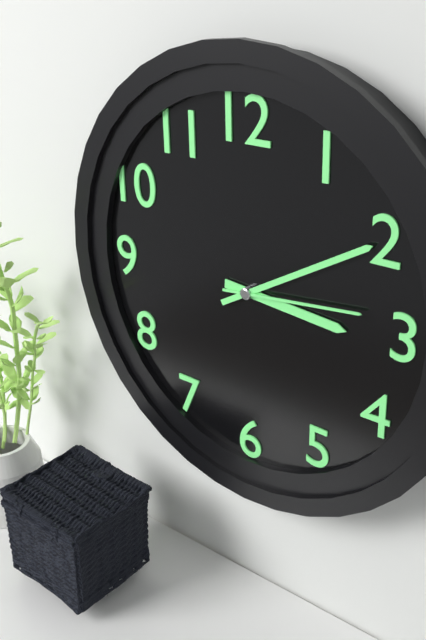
3:10:14
